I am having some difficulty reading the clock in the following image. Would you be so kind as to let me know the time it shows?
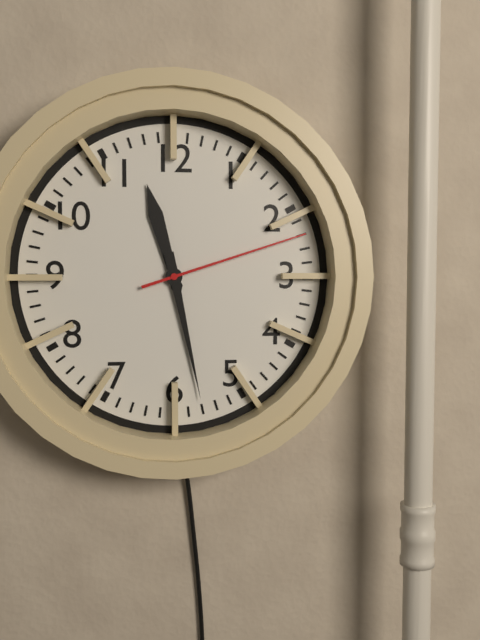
11:28:12
